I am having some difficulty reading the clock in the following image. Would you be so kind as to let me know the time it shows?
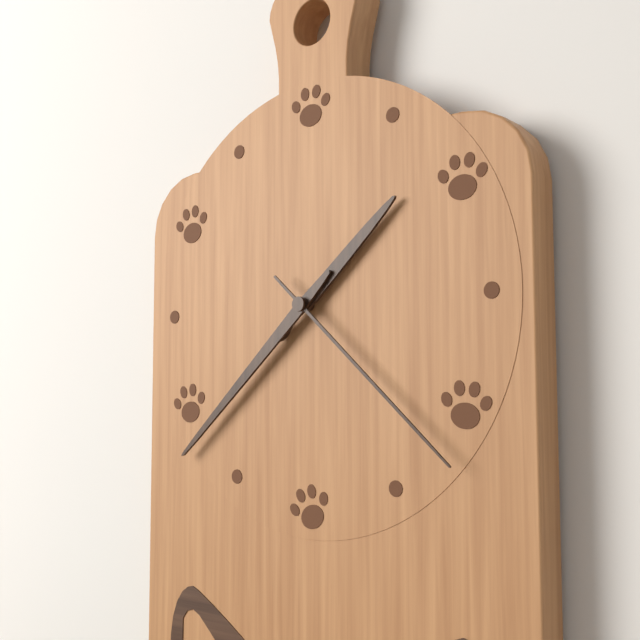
1:38:22
